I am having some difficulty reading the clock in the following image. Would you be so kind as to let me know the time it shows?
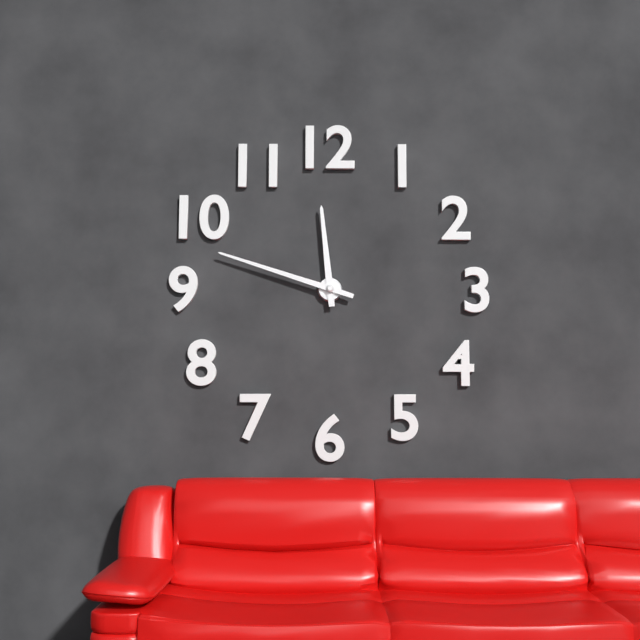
11:48
